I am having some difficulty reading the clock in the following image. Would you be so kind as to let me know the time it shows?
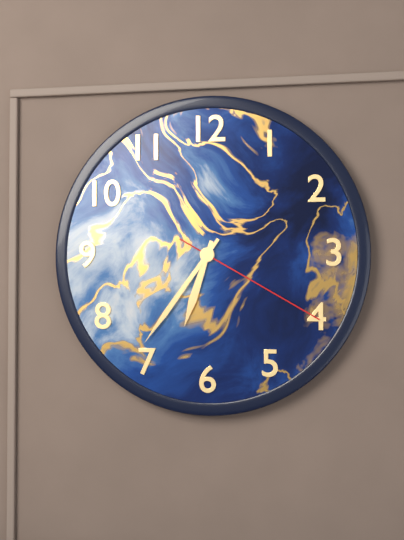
6:36:20
